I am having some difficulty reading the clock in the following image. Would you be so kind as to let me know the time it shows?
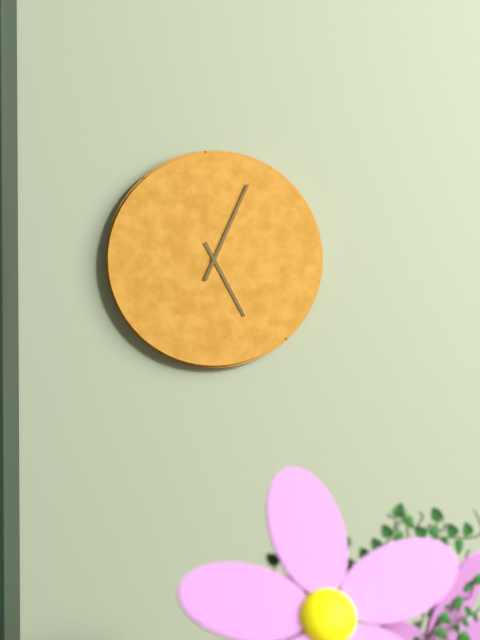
5:04
